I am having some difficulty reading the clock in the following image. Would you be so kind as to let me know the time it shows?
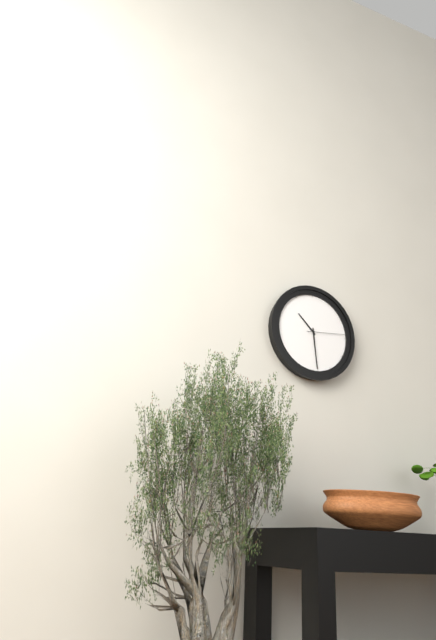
10:29
